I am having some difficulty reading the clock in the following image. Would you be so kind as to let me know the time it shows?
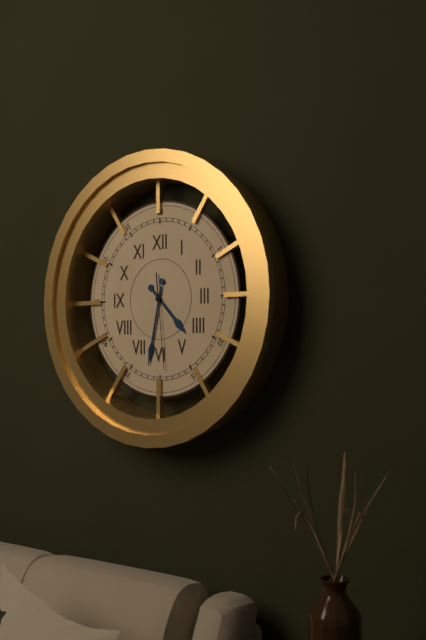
4:32:29
